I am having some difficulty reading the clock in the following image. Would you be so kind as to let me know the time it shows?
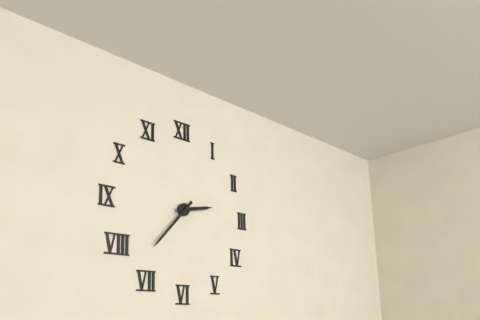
2:37
